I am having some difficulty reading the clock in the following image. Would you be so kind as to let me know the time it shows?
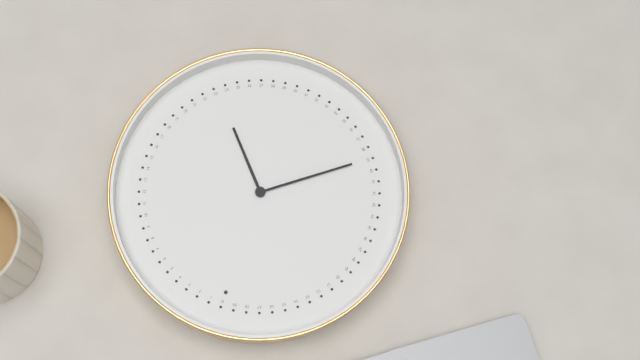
4:39
